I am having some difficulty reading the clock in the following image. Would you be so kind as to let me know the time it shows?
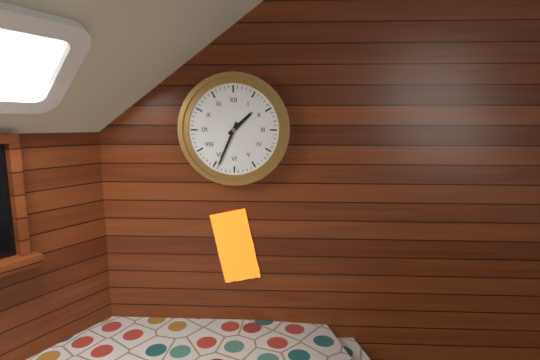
1:34
